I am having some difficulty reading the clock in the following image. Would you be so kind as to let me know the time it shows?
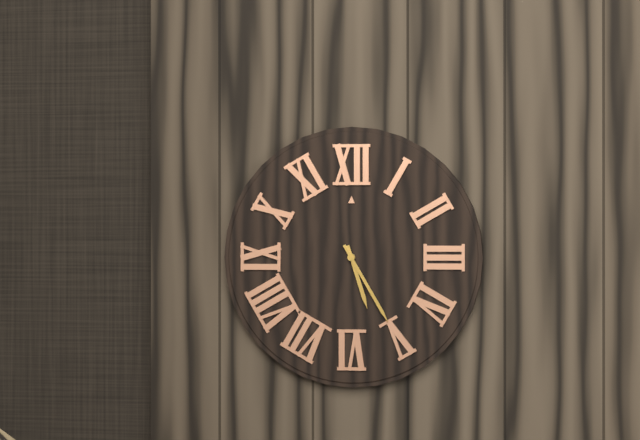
5:25
